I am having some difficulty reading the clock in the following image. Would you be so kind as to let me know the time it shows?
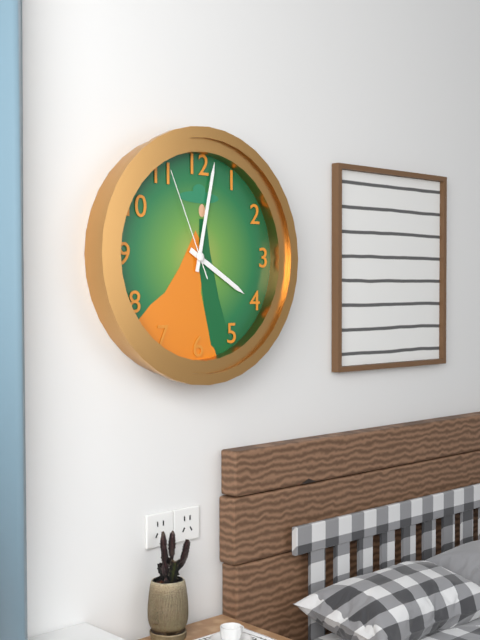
4:02:56
